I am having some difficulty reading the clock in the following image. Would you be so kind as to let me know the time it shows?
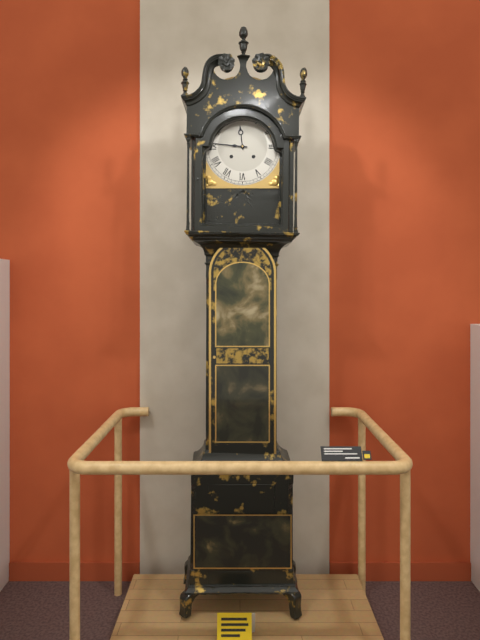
11:46
